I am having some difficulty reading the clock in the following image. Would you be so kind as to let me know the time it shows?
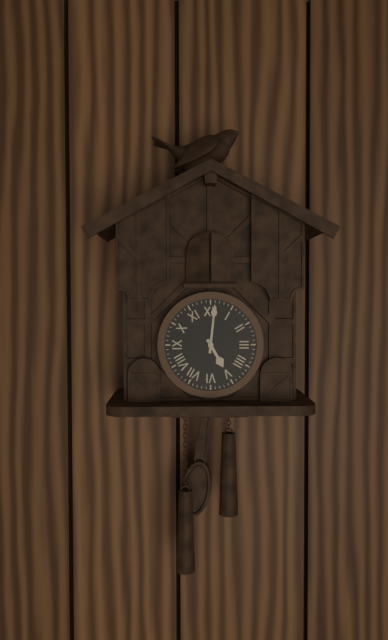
5:01
